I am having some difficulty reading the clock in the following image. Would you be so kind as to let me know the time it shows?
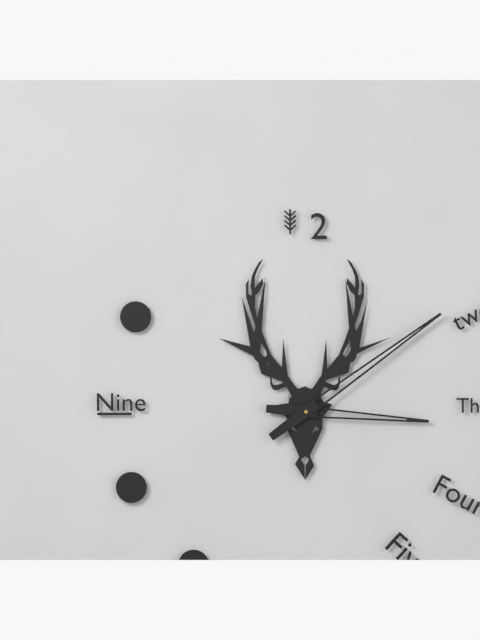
3:09
